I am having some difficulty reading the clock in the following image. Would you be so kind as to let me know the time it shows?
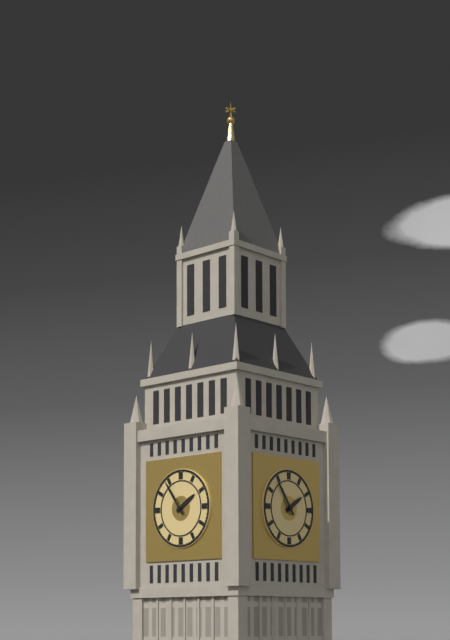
1:54
